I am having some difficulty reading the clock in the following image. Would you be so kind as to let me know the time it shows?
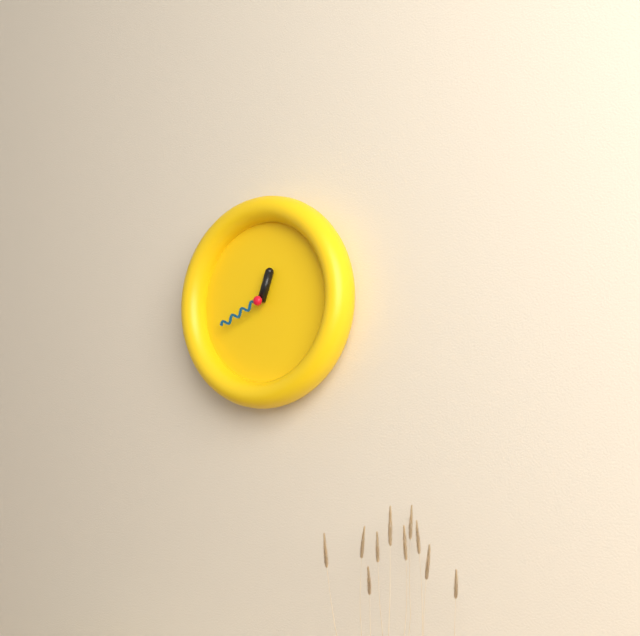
12:41
